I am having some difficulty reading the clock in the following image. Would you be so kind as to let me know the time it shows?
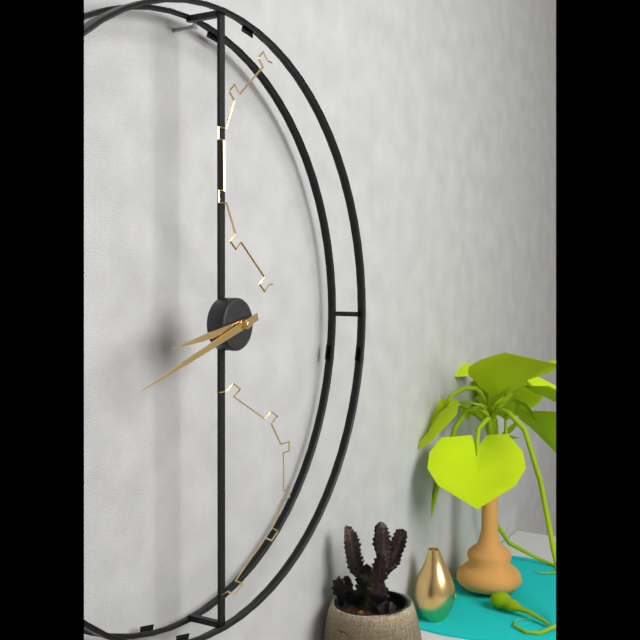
8:42
